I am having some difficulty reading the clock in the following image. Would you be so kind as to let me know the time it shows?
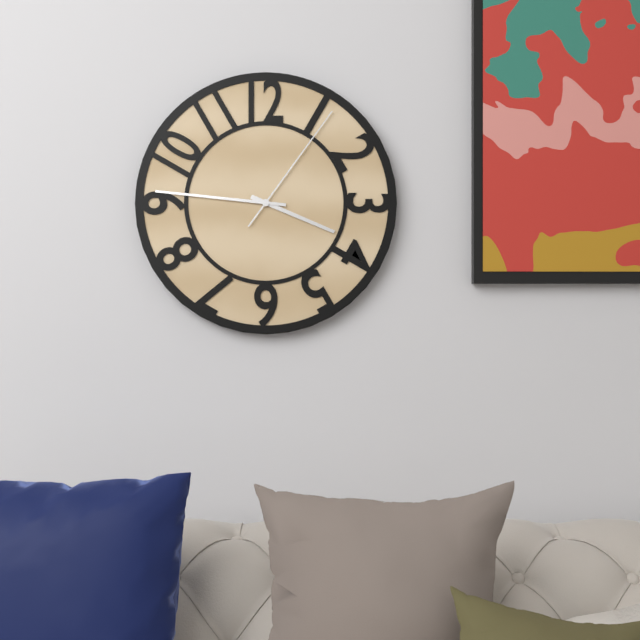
3:46:06
